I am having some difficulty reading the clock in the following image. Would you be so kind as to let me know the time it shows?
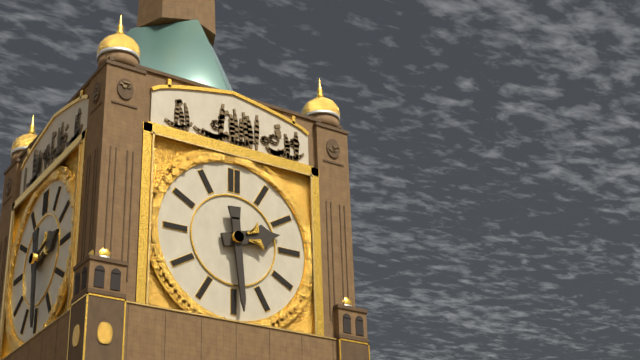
2:29
